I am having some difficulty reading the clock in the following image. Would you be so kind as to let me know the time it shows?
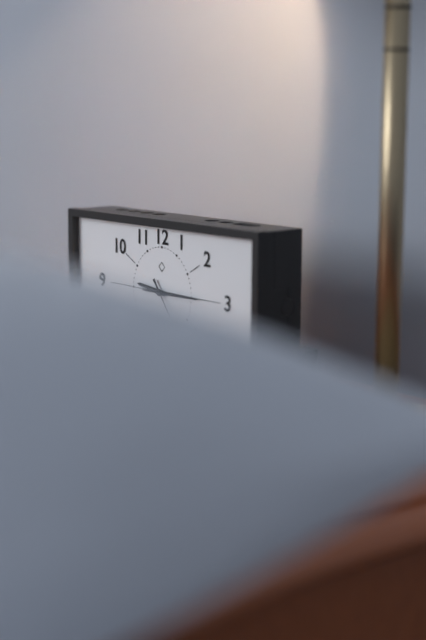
9:15
